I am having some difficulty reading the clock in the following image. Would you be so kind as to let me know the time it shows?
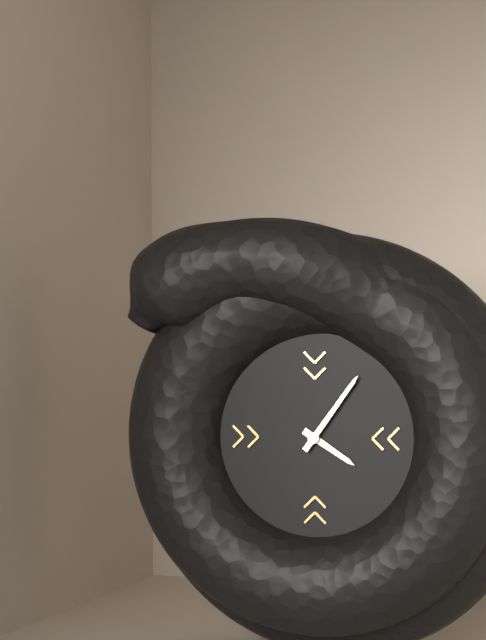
4:06
